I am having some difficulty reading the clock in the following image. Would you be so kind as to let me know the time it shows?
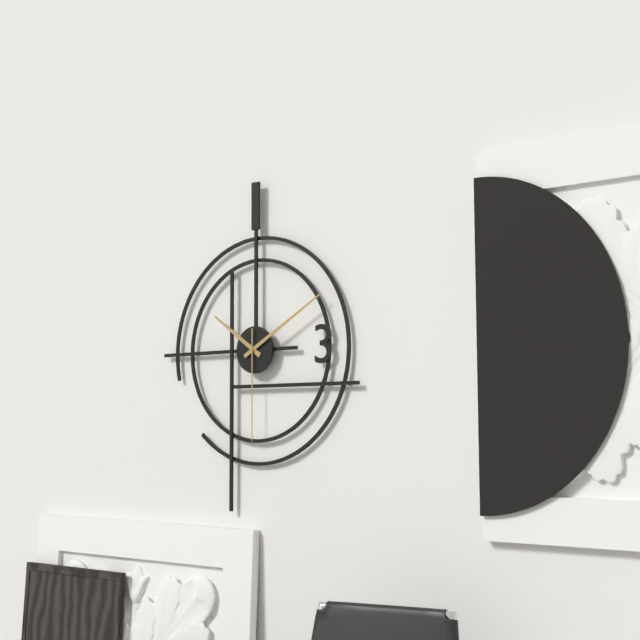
10:10:30
